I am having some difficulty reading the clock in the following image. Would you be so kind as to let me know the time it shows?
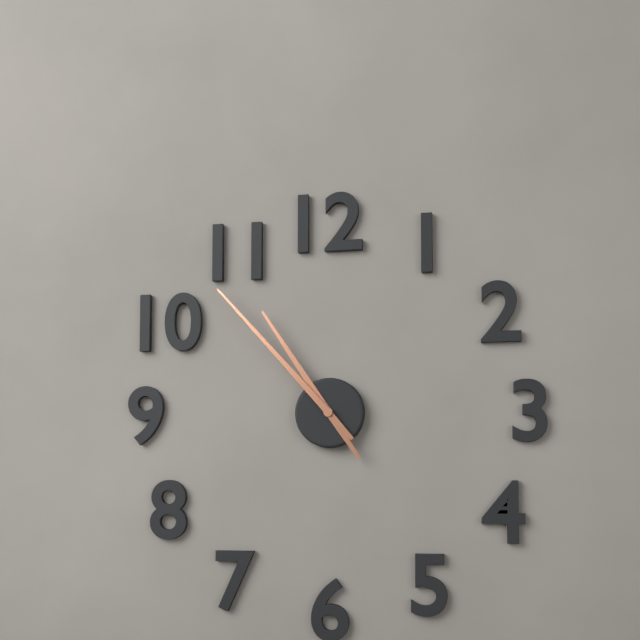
10:53
